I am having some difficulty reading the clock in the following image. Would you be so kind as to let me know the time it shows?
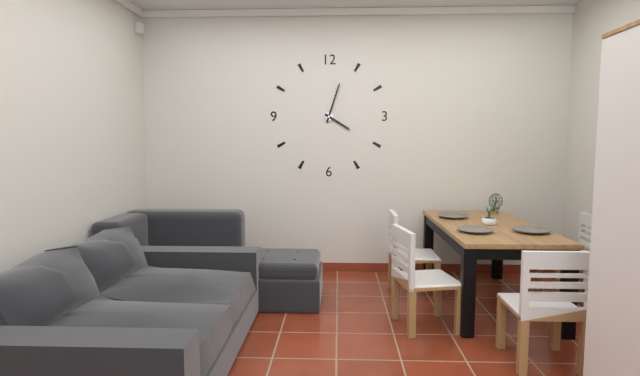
4:03
